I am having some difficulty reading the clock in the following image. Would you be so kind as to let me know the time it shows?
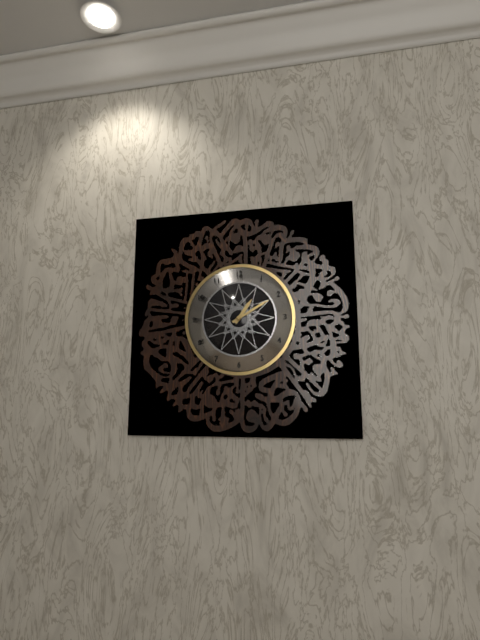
1:10
